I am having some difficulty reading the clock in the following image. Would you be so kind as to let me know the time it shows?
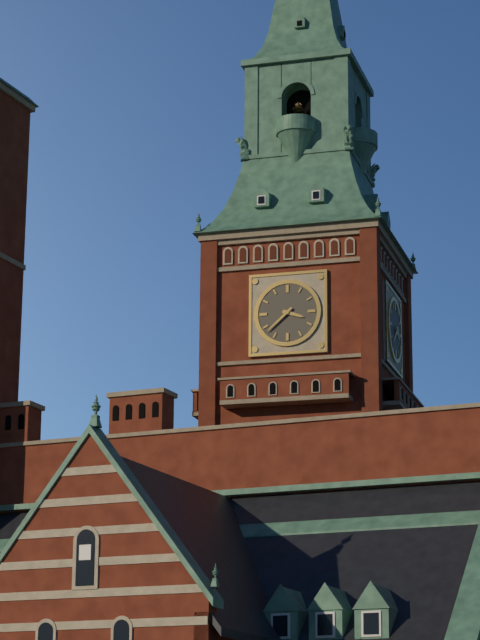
3:38
